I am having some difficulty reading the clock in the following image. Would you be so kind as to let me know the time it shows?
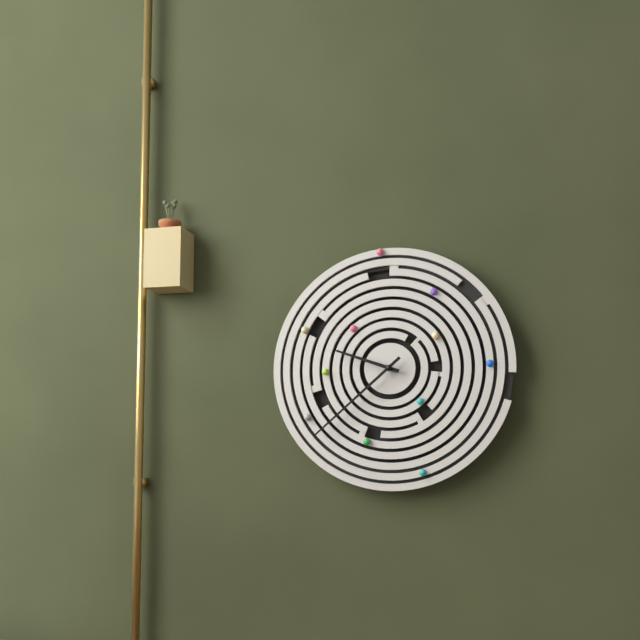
9:38
